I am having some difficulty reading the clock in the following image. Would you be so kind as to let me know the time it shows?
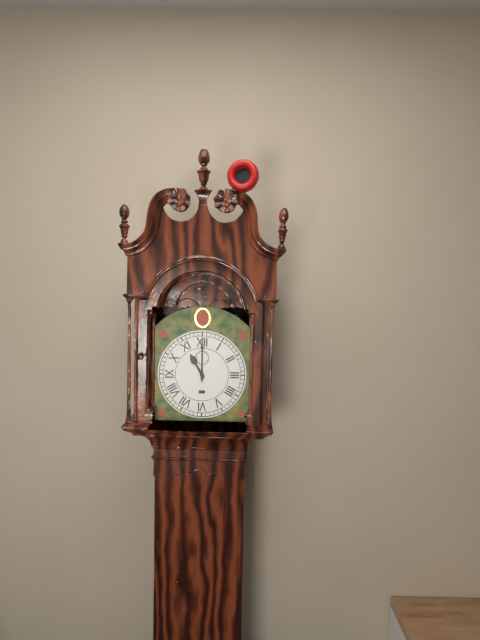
11:00
